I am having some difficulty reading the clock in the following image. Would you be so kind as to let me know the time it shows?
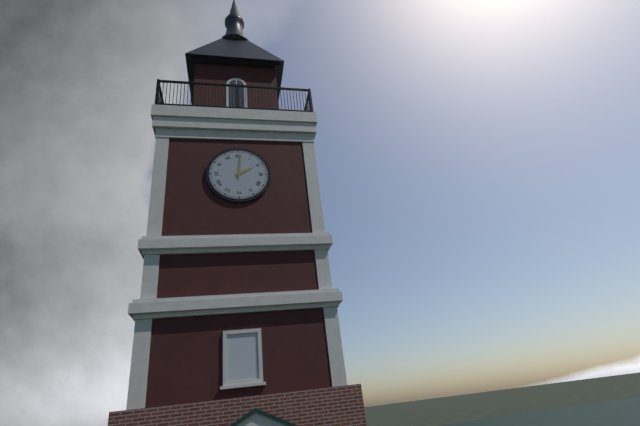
2:01
